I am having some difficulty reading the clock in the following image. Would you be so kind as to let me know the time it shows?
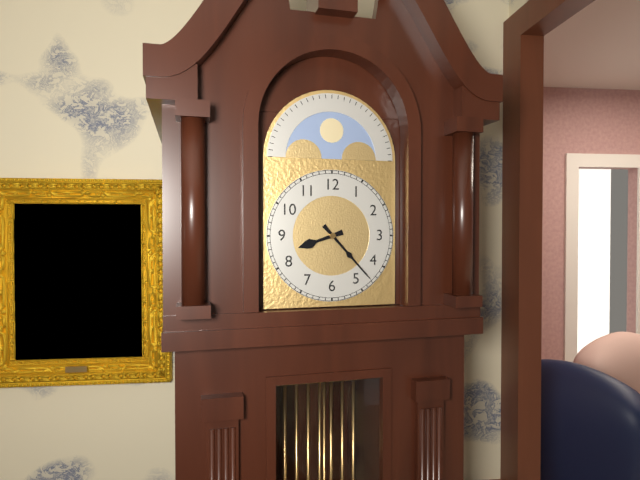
8:23
